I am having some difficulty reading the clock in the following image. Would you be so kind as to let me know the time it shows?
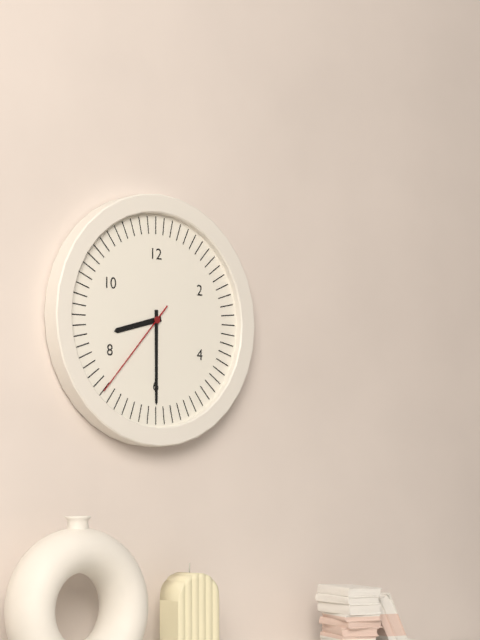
8:30:37
